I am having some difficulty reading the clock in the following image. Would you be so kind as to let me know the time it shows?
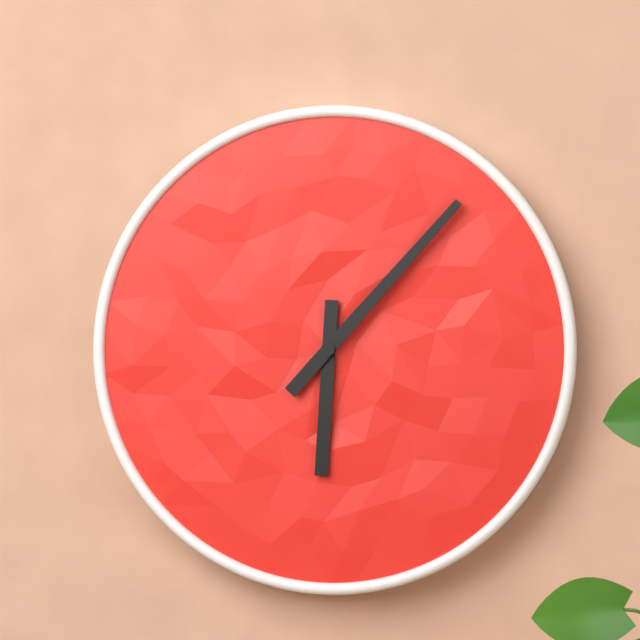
6:07
